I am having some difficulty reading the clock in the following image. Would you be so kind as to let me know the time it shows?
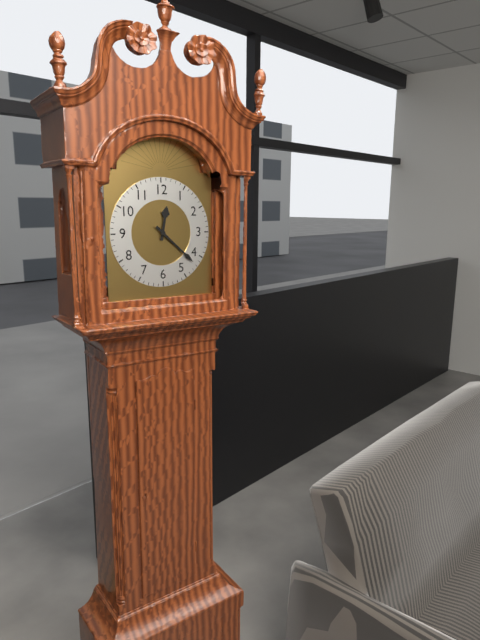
12:22
